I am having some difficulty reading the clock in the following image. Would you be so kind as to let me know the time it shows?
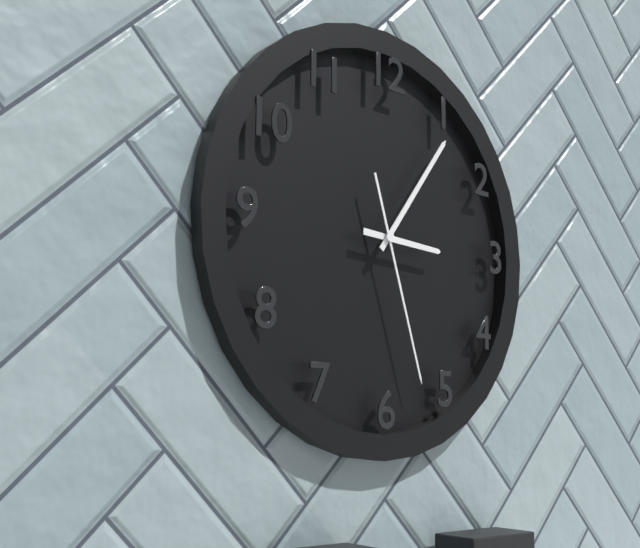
3:06:27
